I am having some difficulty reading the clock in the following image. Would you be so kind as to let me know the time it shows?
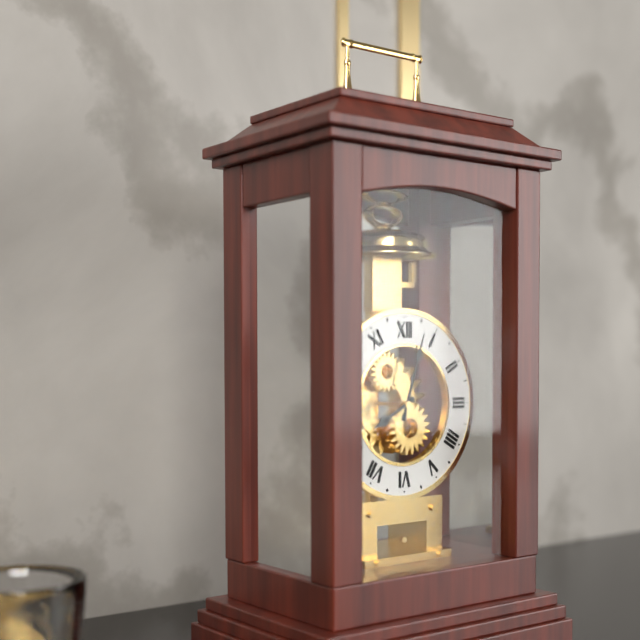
8:03
